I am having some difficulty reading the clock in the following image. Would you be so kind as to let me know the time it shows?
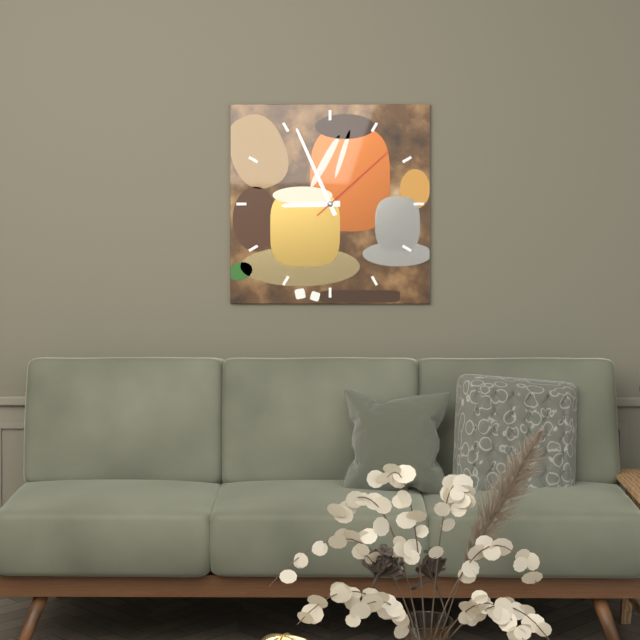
8:56:08
